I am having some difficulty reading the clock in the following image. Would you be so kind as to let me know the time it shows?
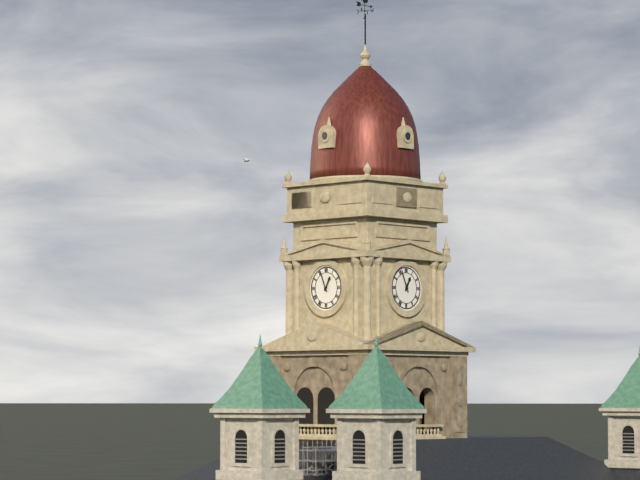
12:56
